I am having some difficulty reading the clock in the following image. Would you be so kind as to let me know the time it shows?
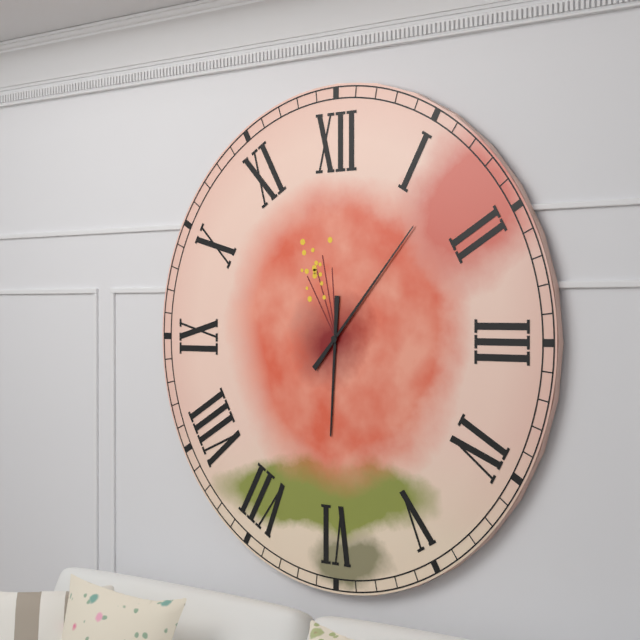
6:07
